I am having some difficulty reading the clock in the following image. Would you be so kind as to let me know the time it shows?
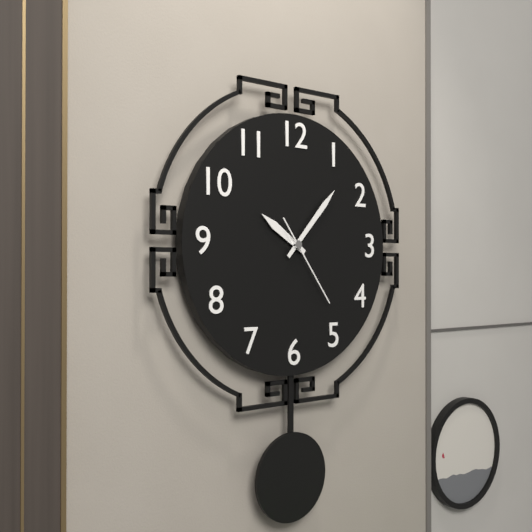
10:07:24
